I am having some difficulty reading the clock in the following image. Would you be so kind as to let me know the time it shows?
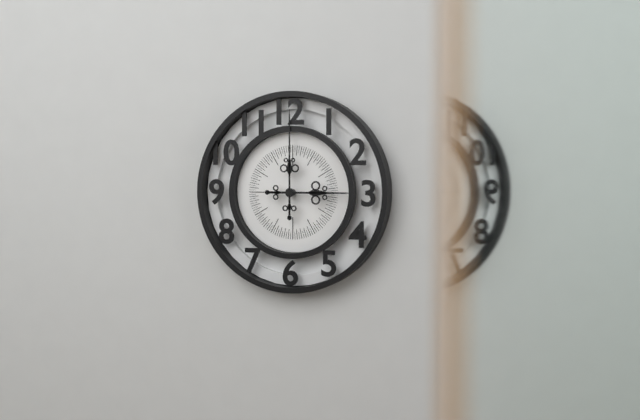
3:00
